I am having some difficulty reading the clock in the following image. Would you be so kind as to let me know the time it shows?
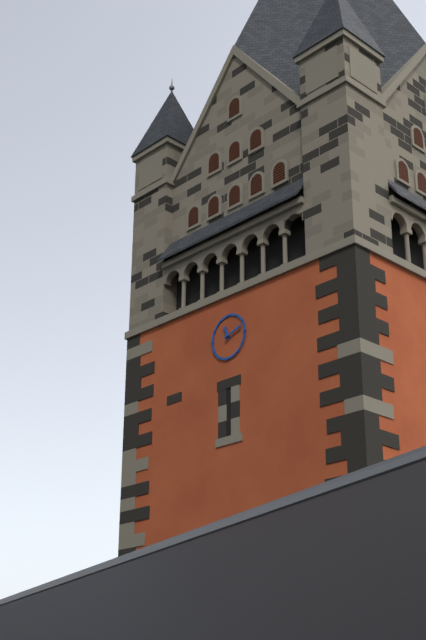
11:12
